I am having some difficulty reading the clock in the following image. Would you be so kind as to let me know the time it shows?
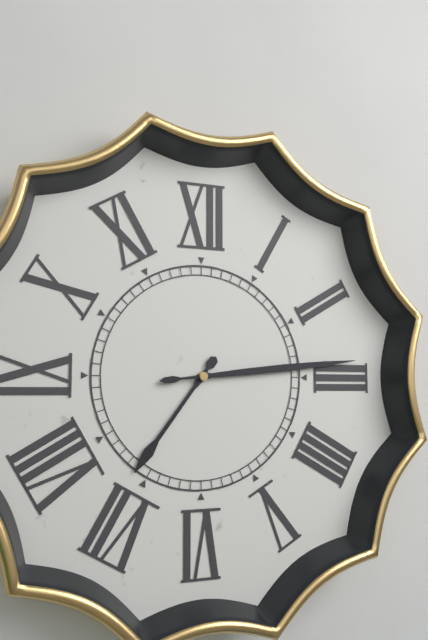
7:14
